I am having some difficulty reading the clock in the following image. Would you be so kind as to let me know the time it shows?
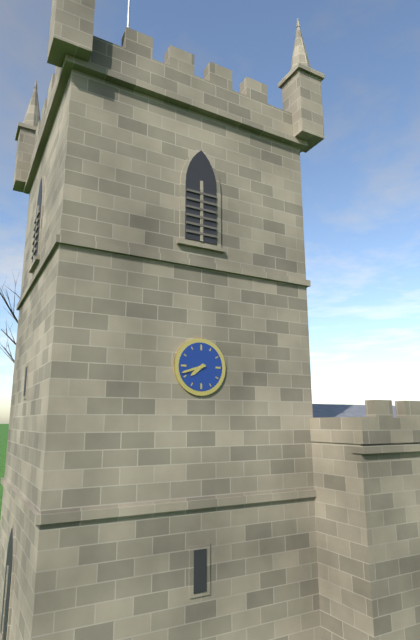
7:42
